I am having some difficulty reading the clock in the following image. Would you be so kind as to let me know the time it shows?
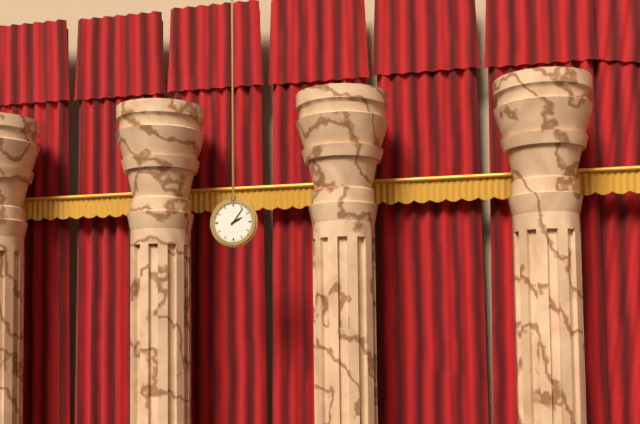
2:06
